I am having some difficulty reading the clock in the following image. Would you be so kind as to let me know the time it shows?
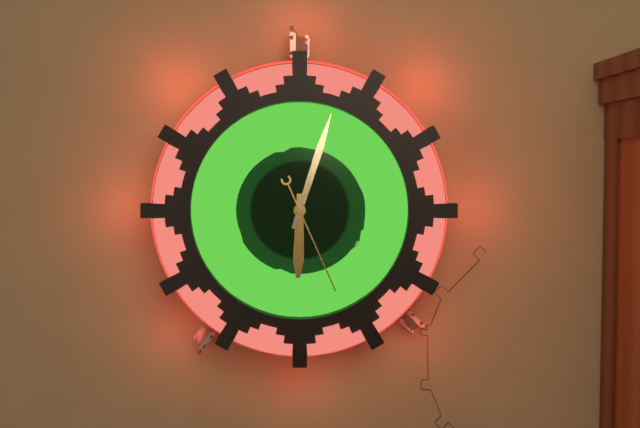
6:03:26
